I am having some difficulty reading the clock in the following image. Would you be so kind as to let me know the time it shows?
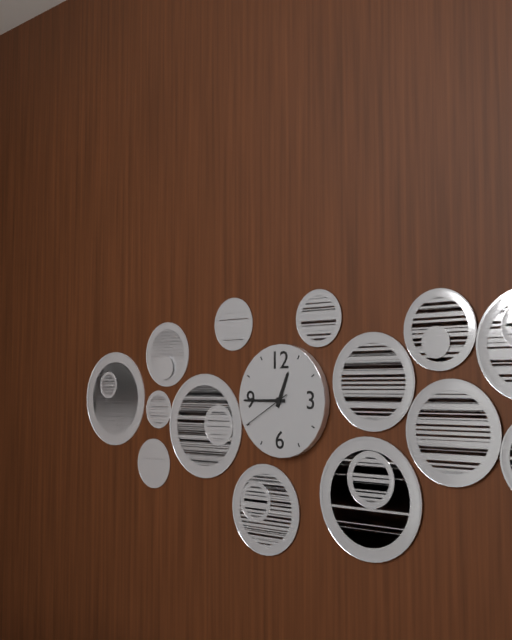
12:45:40
